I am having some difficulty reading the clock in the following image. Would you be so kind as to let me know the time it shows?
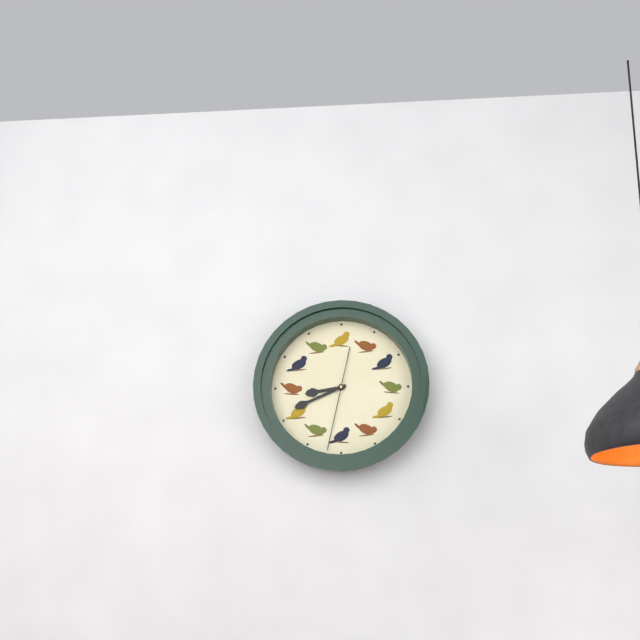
8:41:32
